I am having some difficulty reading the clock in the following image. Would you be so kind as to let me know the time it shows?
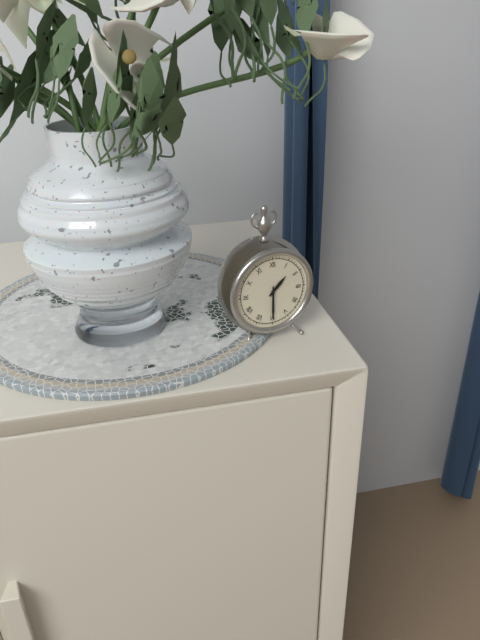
1:30
